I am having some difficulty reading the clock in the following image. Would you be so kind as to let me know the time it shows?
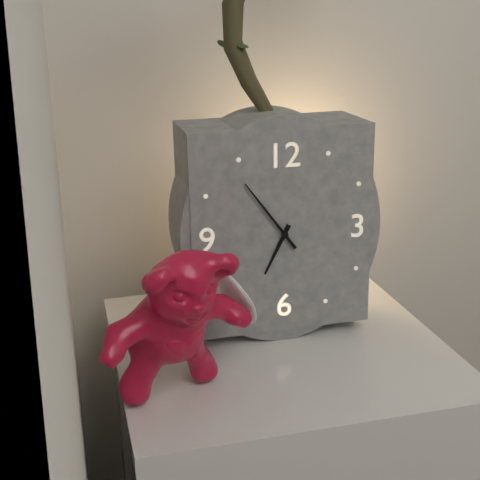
6:54
